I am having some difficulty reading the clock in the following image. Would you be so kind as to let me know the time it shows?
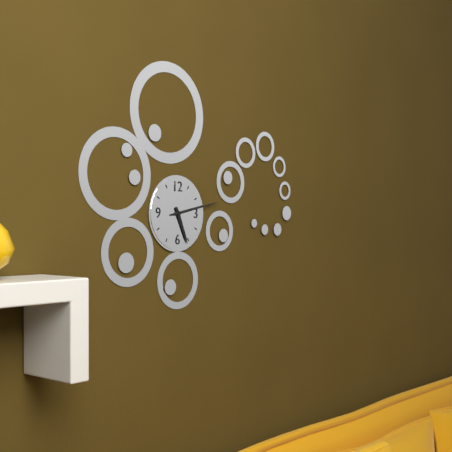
5:13
